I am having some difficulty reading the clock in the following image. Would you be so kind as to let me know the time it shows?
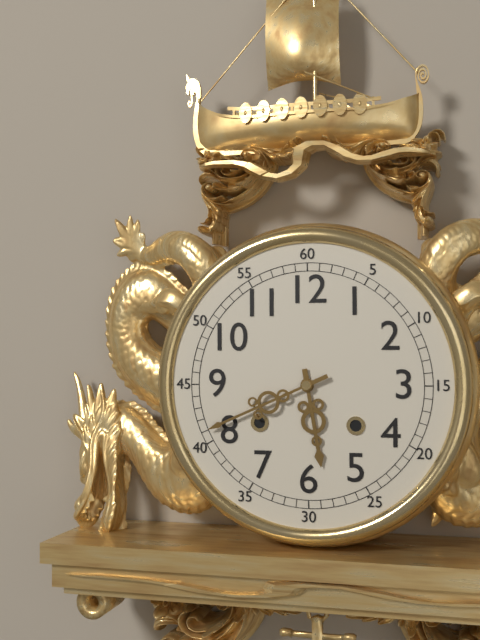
5:41
